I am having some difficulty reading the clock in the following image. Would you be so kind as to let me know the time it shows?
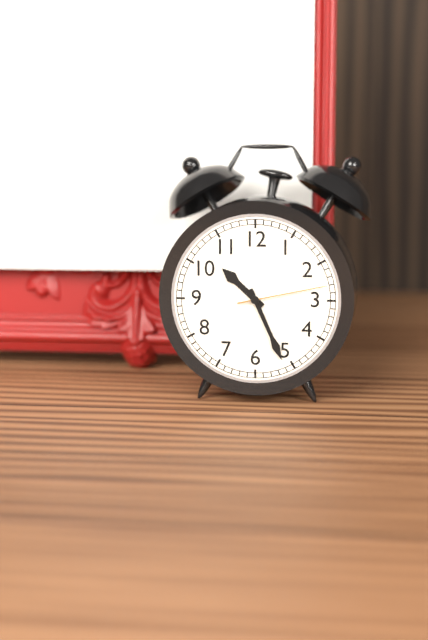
10:26:13
